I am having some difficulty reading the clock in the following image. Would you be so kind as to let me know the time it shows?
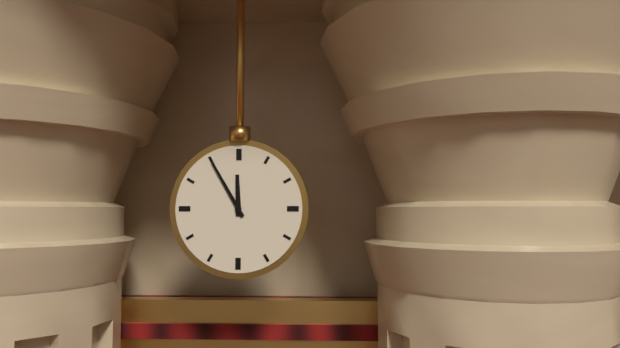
11:55
